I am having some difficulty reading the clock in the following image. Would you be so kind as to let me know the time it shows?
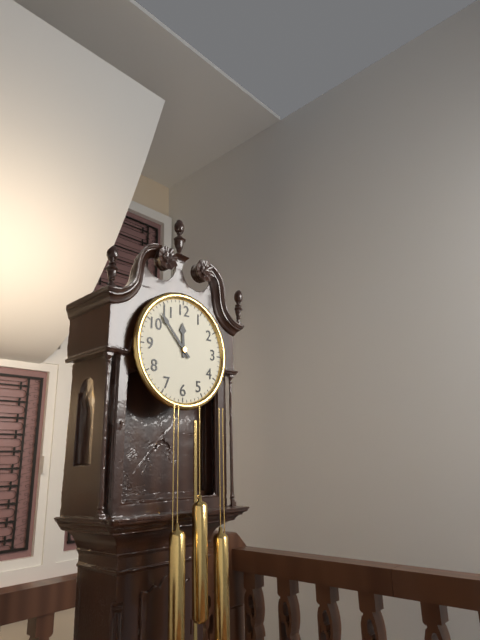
11:53
